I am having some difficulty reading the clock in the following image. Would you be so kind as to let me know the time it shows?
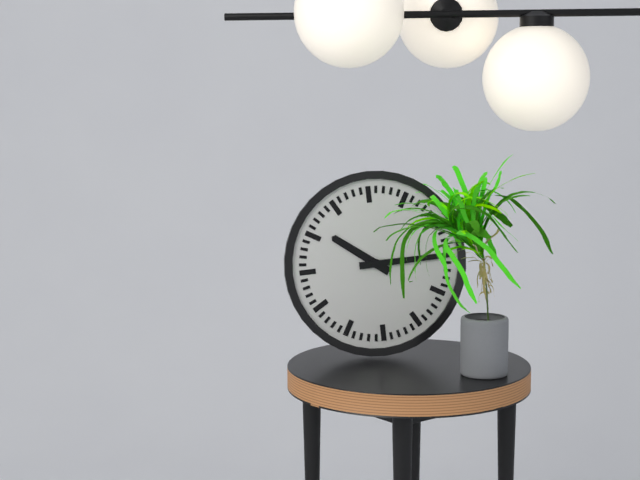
10:15
